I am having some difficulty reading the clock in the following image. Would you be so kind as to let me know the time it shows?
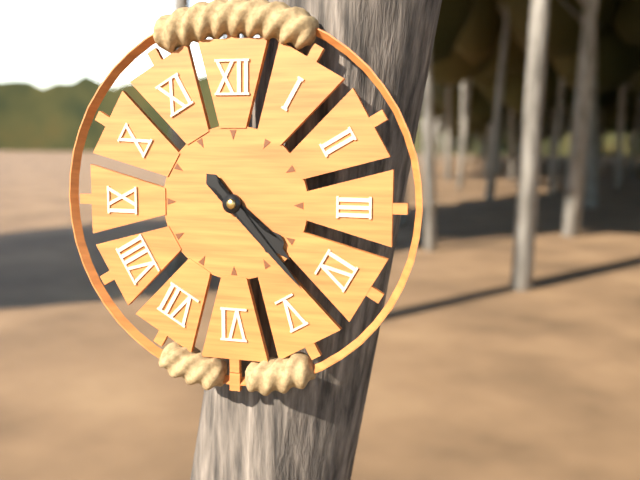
4:23
